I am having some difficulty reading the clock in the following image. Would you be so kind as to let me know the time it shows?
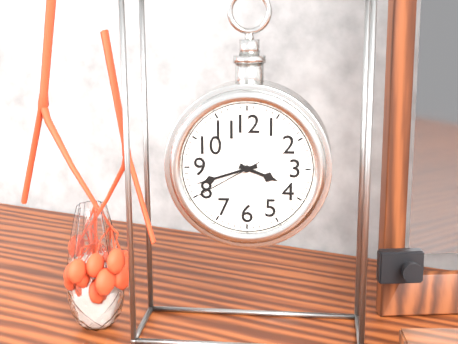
3:42:40
